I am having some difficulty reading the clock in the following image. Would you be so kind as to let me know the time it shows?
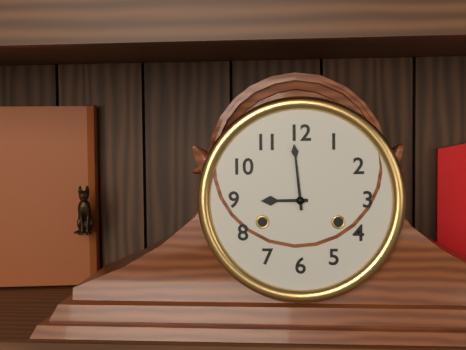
8:59
